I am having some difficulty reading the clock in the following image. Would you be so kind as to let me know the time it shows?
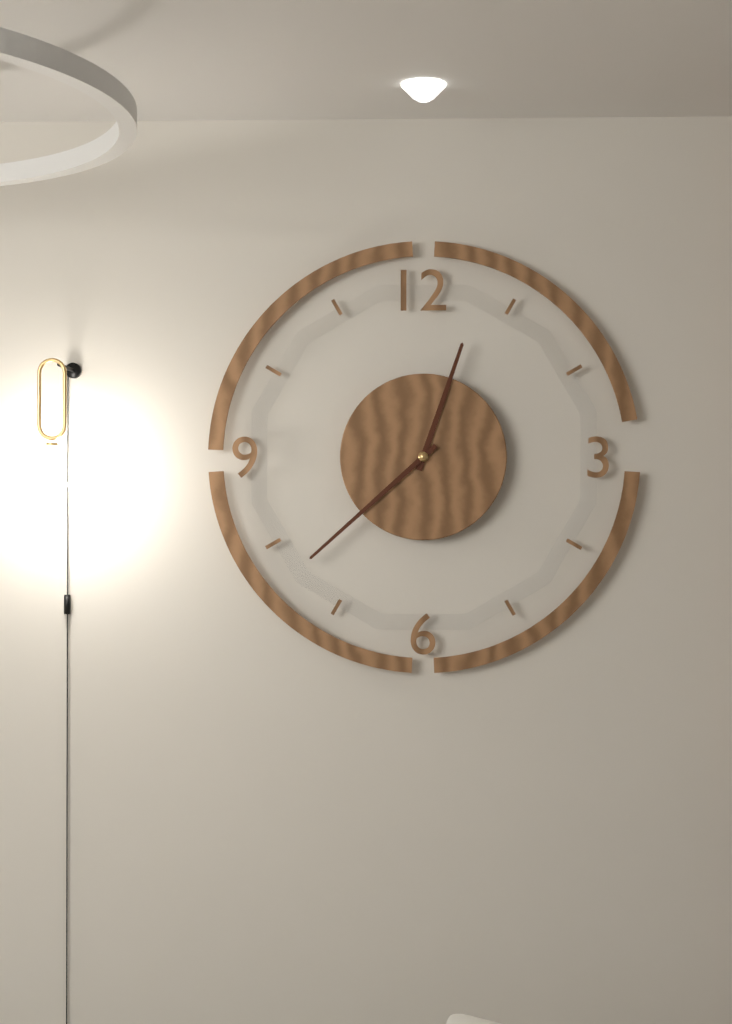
12:38
